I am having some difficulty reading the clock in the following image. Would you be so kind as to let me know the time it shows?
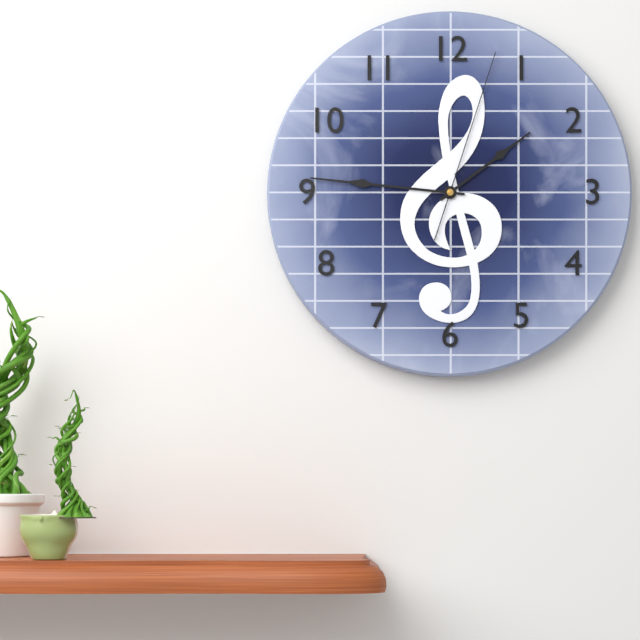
1:46:03
